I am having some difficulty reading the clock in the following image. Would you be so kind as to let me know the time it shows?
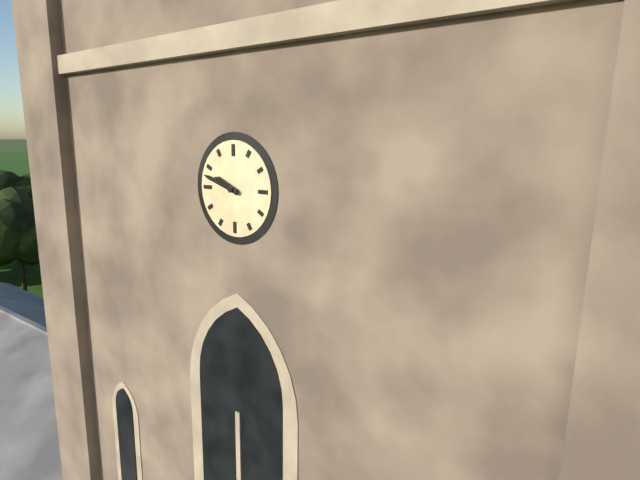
9:48
